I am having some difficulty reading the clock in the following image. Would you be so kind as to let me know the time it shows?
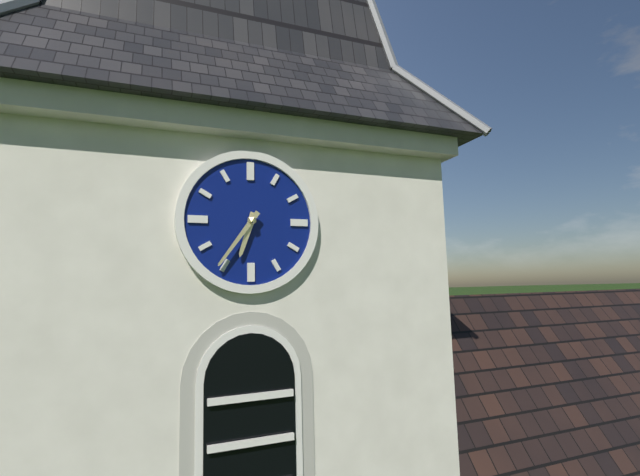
6:36
